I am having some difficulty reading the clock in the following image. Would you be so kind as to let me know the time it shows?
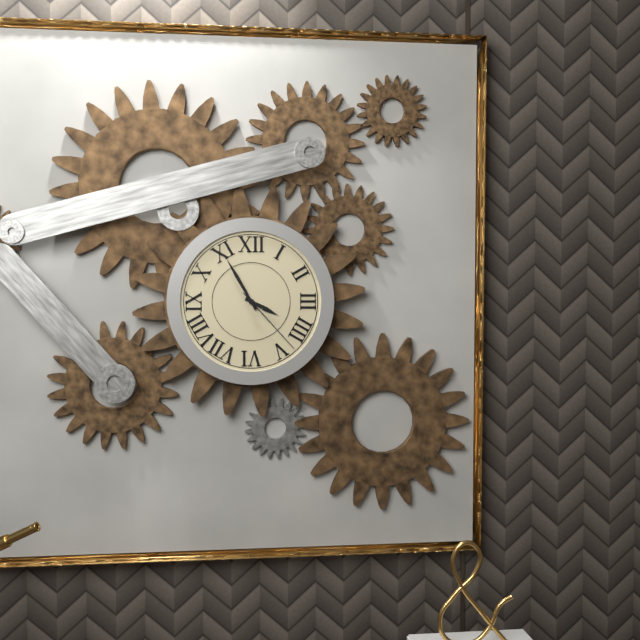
3:55:23
